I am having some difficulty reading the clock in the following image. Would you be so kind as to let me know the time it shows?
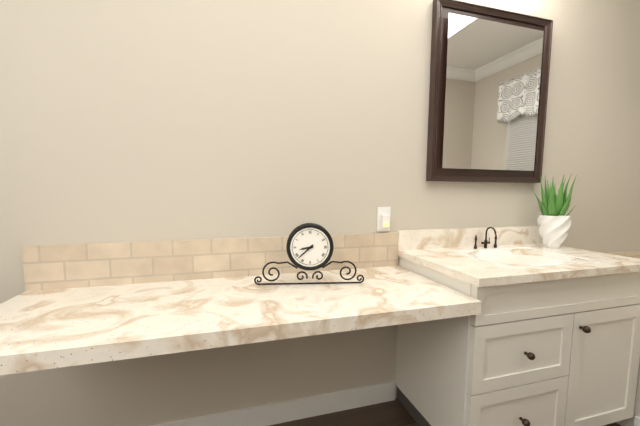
8:38
